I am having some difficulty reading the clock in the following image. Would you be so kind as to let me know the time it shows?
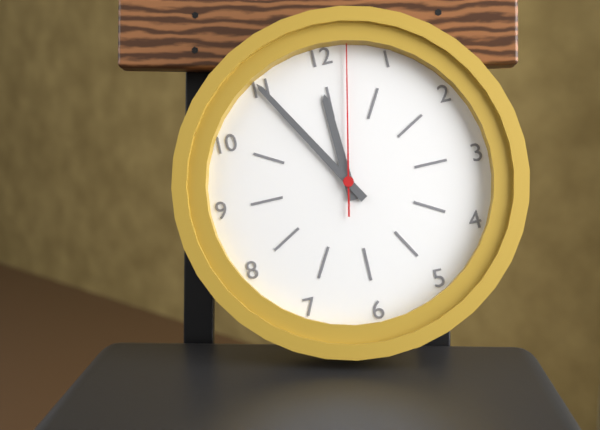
11:55:02
